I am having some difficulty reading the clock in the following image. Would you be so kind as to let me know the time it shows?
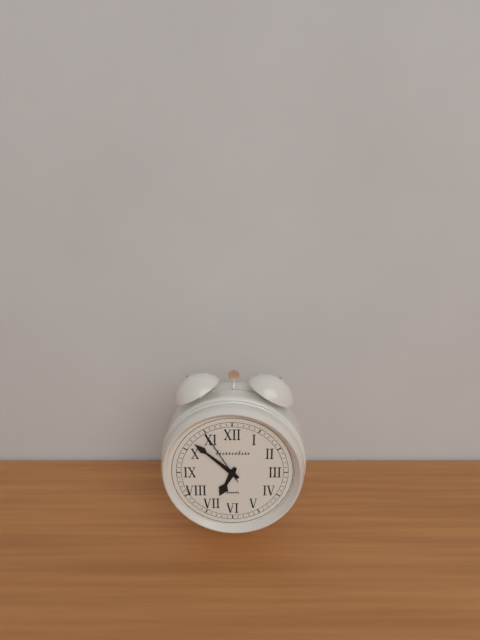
6:52:55
